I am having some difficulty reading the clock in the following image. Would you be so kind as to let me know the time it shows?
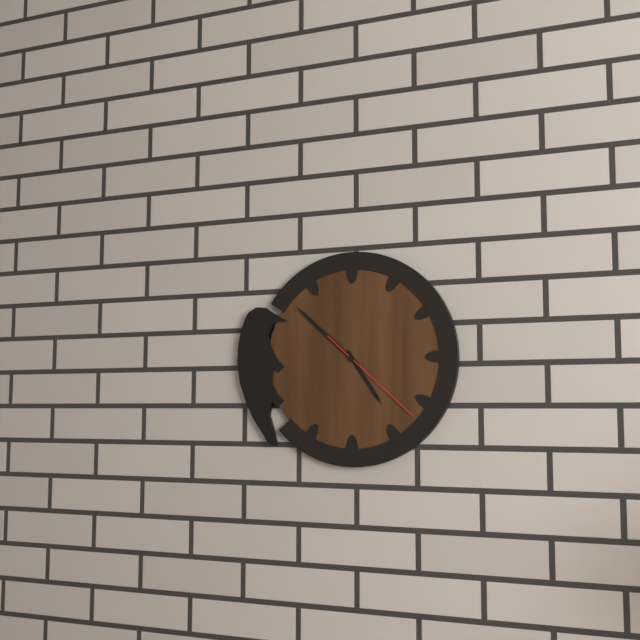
4:52:22
